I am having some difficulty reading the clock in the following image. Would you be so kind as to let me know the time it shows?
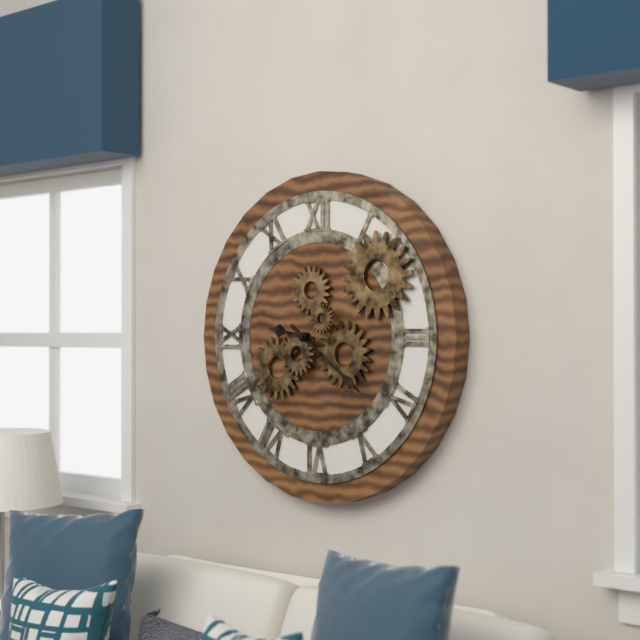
9:21
